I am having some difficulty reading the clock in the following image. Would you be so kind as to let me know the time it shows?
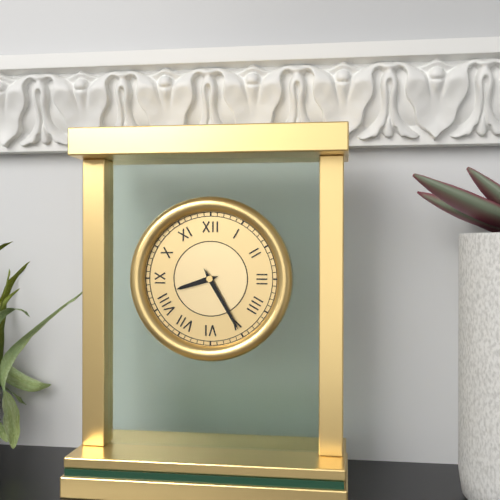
8:25
